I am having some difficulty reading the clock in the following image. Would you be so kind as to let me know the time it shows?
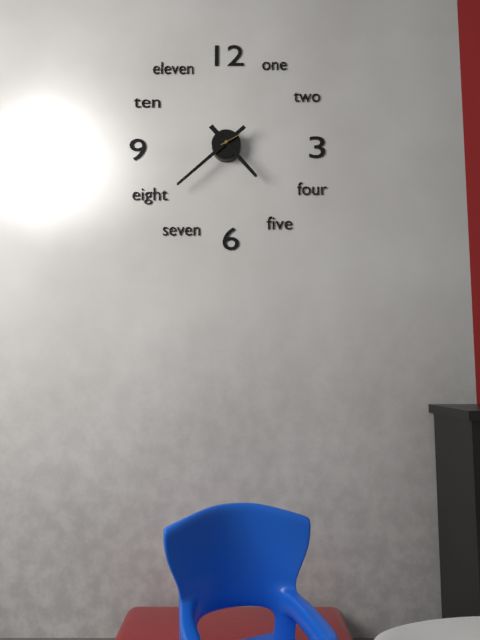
4:38
